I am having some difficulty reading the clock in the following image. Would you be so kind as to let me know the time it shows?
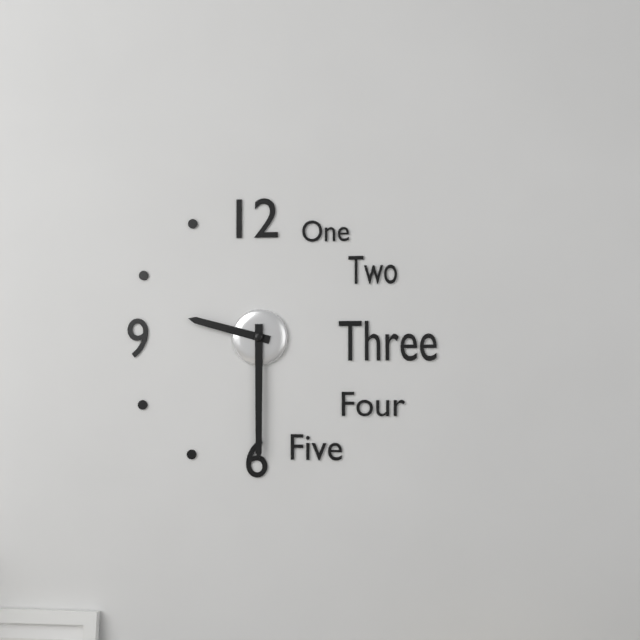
9:30
